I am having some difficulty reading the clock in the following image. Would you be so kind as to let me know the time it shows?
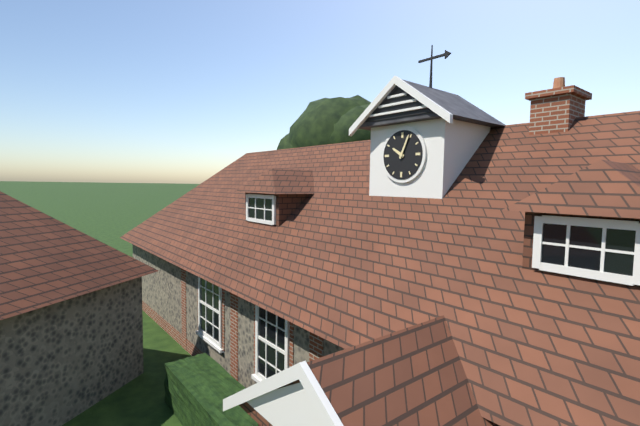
10:04
